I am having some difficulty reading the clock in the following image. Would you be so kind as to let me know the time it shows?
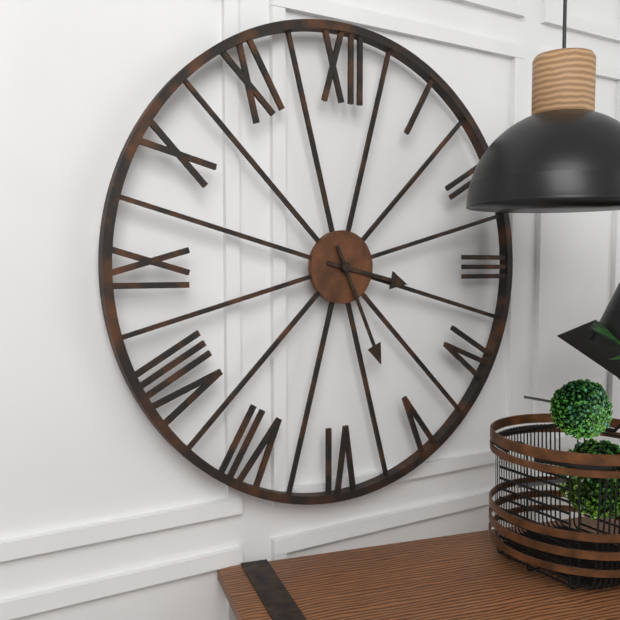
3:26
